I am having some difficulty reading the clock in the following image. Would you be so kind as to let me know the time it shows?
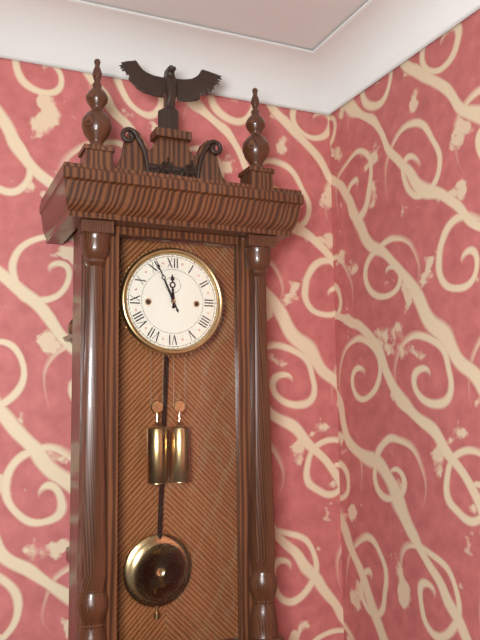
11:56
